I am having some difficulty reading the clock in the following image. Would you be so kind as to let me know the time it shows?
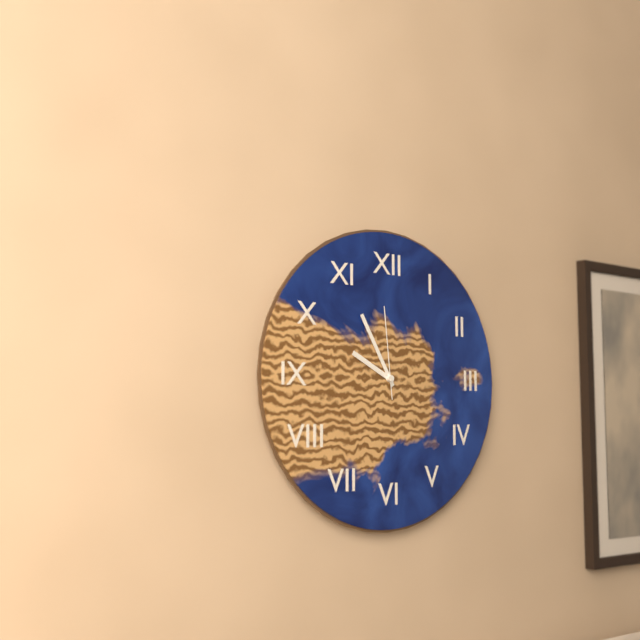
9:55:59
